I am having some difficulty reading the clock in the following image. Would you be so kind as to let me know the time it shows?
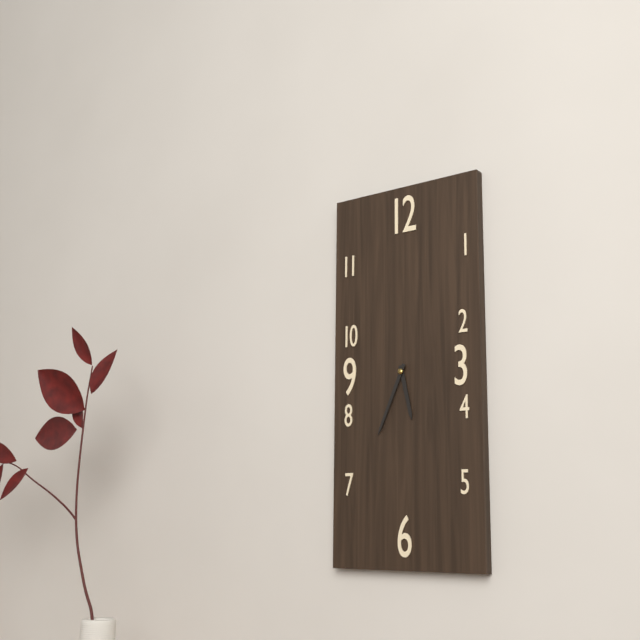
5:34
